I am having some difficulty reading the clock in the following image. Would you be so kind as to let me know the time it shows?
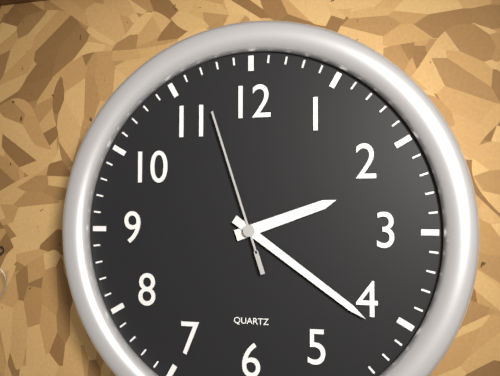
2:21:57
